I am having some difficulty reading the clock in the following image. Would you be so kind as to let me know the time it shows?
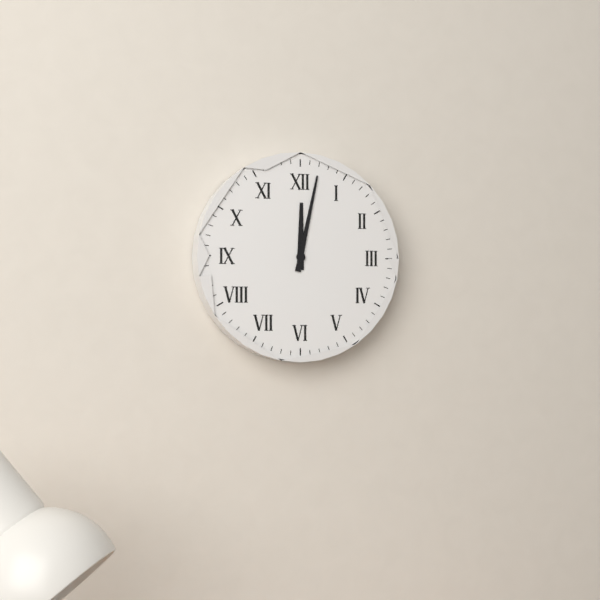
12:02
